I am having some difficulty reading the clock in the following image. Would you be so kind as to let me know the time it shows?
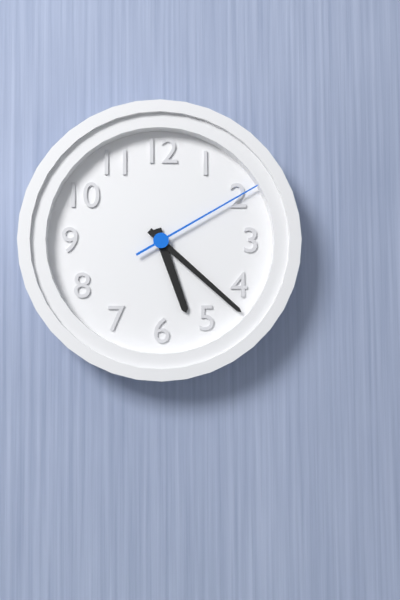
5:22:10
